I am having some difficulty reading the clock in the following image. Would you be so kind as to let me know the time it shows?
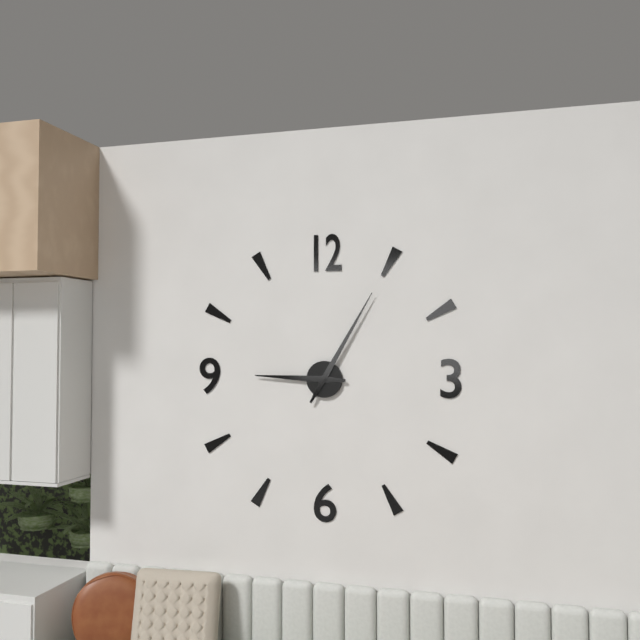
9:05
